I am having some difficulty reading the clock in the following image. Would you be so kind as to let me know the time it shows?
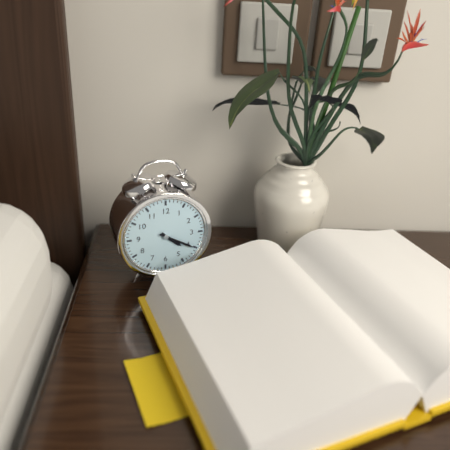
4:20
